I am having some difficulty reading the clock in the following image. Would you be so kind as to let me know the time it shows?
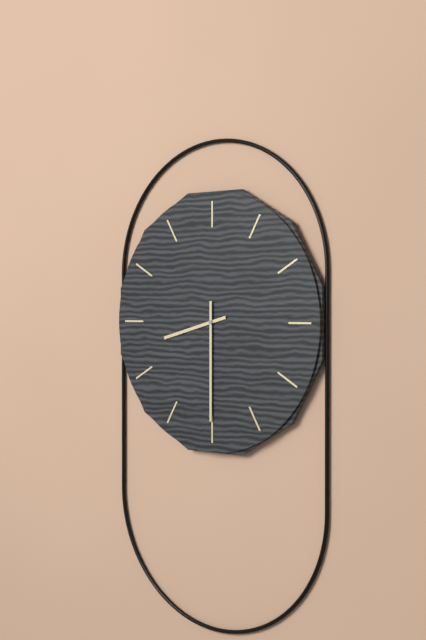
8:30
